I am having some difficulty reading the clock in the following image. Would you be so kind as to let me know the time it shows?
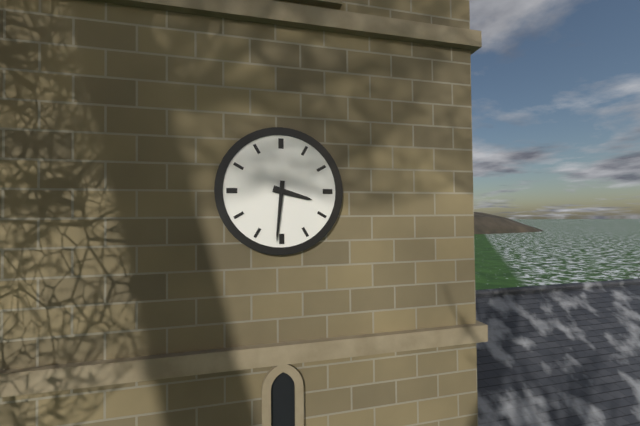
3:31
